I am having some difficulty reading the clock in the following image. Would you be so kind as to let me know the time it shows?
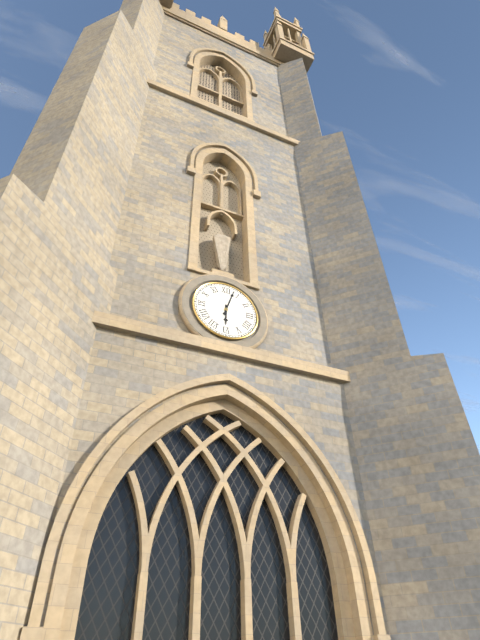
6:03
